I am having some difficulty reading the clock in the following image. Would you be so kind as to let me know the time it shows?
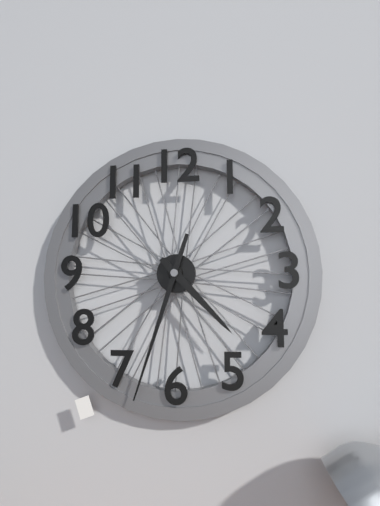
4:33
